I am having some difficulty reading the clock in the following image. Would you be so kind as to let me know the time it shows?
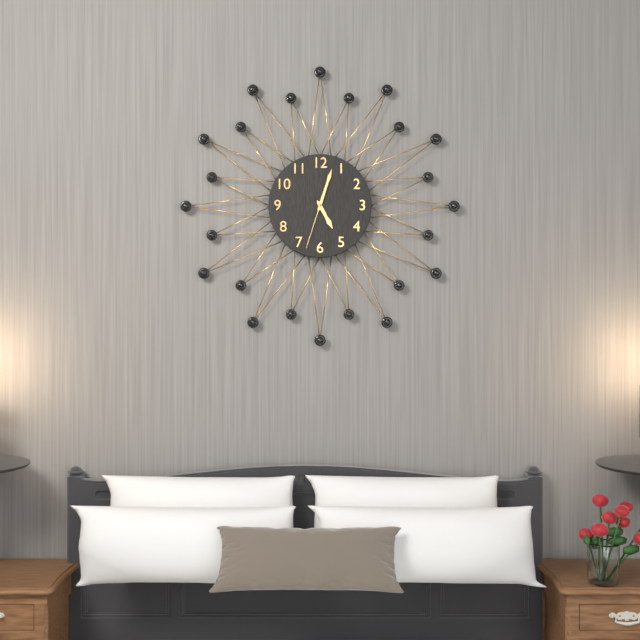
5:03:33
